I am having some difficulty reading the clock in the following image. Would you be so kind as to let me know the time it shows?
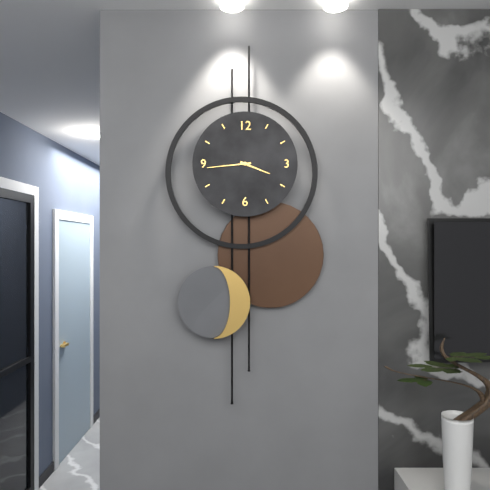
3:44
